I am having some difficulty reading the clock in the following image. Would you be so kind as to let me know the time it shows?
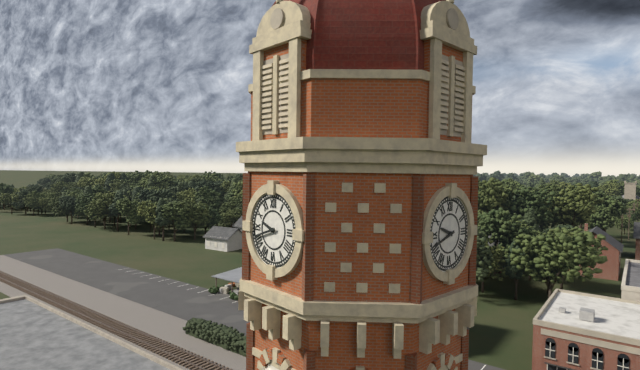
9:42
